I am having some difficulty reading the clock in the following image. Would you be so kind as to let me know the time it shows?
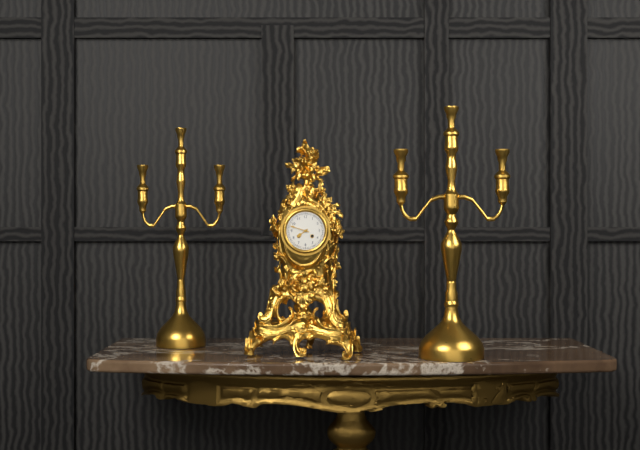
7:48
